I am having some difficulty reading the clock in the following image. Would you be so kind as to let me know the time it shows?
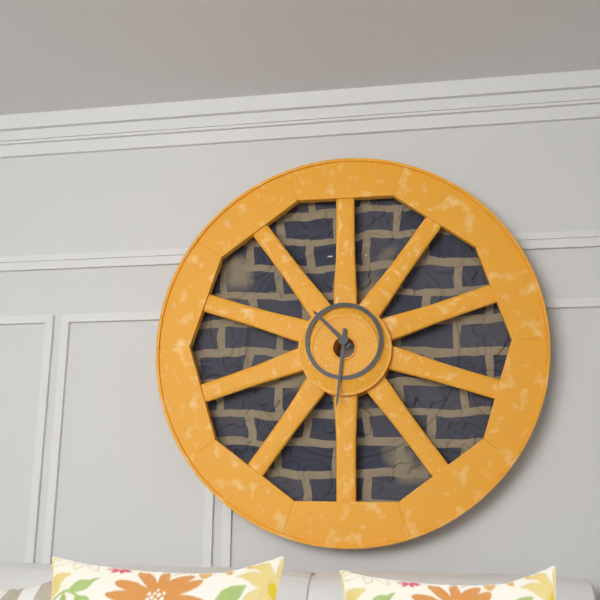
10:31
